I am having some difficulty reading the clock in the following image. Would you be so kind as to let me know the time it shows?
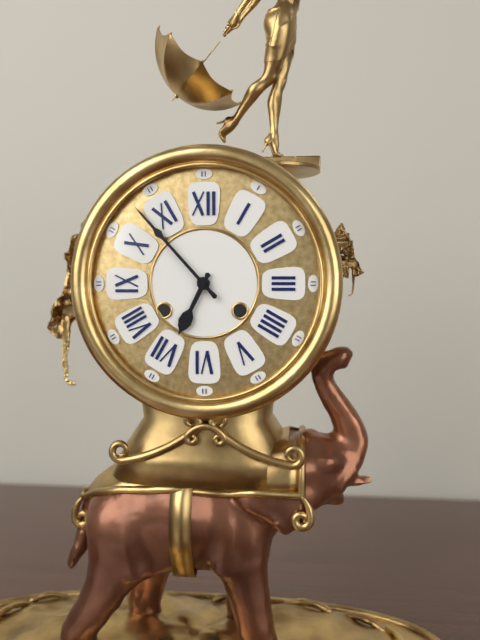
6:53
